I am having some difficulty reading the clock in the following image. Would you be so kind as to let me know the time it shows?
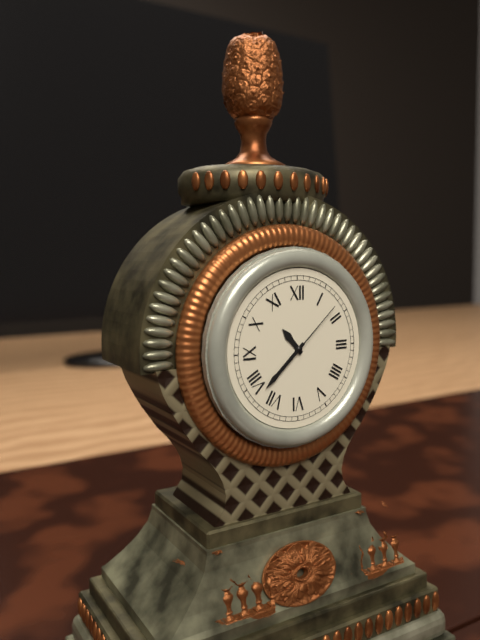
10:38:08
